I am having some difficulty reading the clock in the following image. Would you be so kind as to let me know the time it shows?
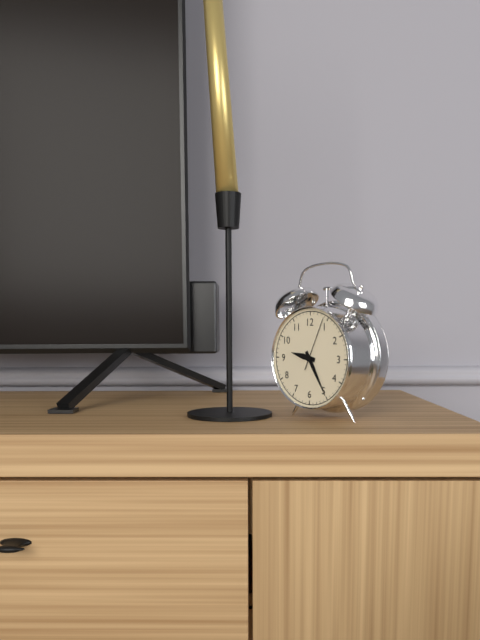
9:25:04
